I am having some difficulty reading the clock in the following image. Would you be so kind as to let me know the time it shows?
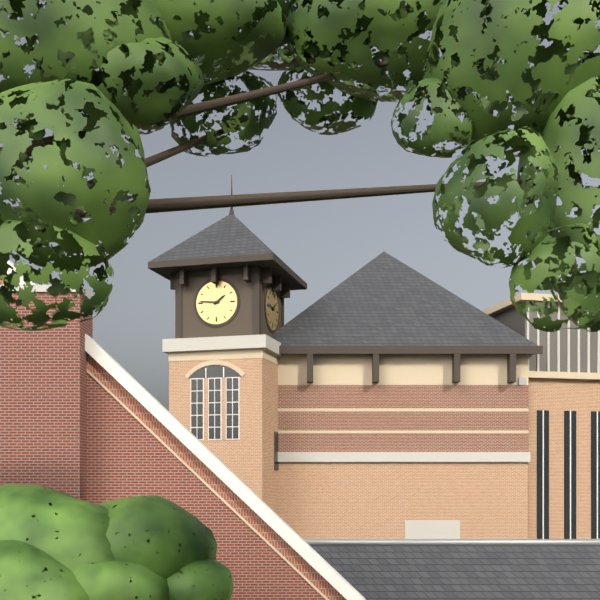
1:46
